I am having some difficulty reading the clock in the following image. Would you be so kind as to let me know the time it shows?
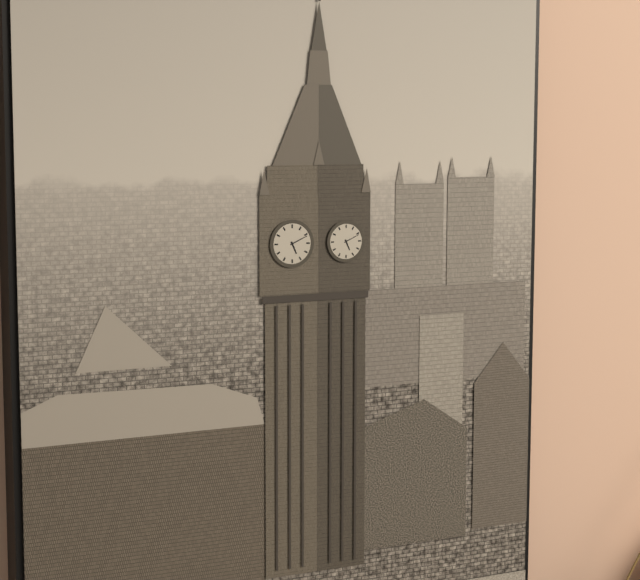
5:11
